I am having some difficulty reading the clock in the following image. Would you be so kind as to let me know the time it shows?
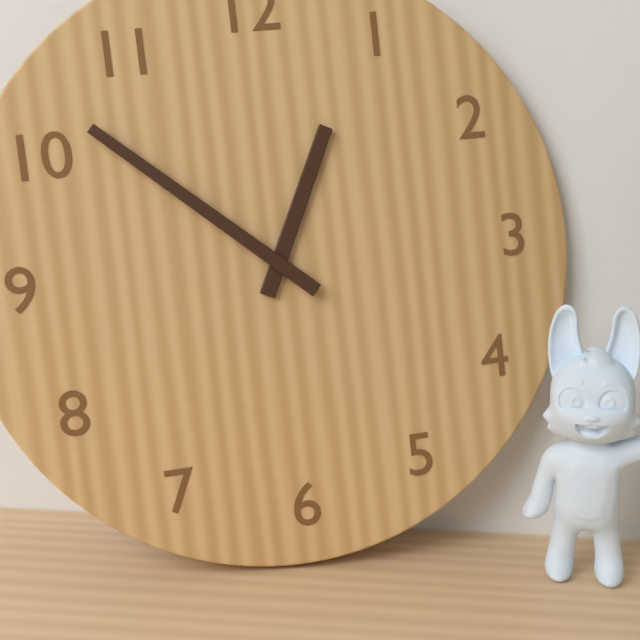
12:52
